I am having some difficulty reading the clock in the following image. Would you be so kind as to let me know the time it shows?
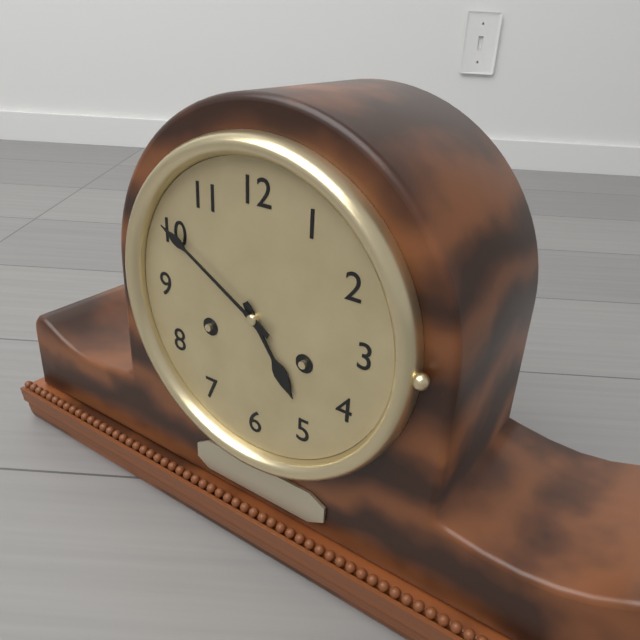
4:50
